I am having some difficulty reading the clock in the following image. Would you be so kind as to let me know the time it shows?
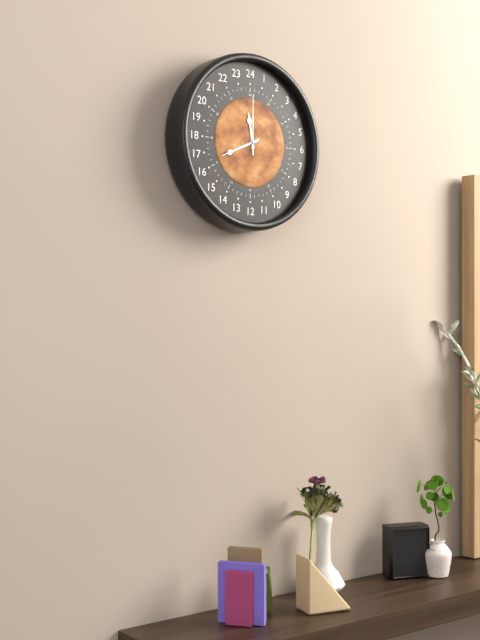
11:41:00
